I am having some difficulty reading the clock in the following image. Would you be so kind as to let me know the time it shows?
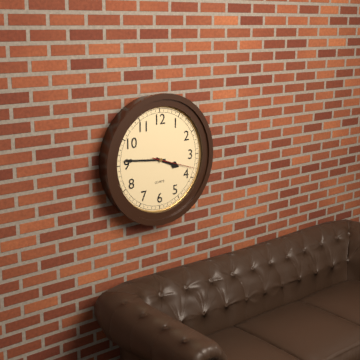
3:46
